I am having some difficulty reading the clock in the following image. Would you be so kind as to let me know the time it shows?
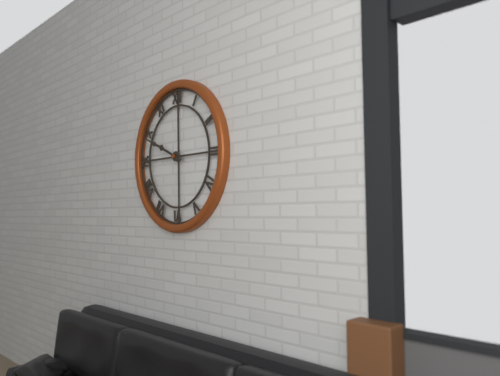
9:49
